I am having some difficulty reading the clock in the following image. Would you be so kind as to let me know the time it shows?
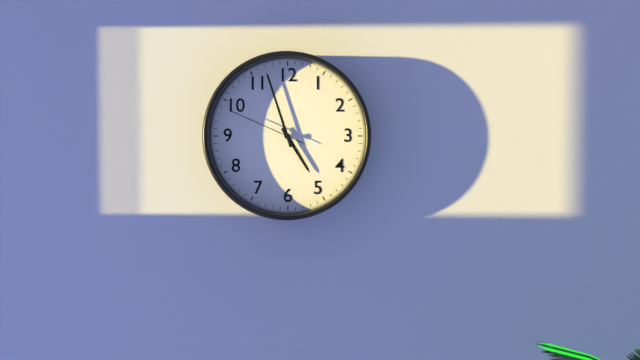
4:57:49
